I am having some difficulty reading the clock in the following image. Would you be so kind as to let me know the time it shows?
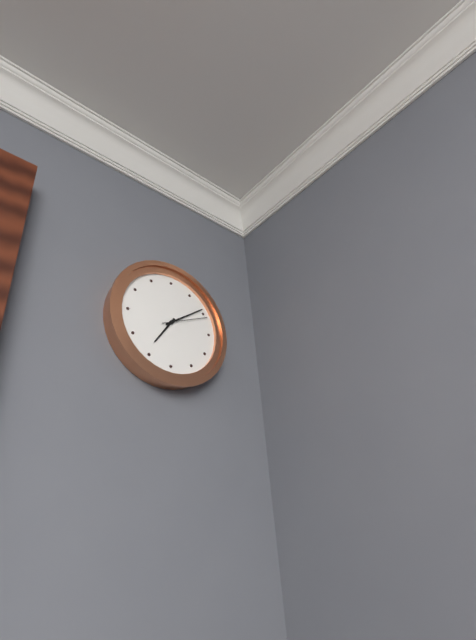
7:09
